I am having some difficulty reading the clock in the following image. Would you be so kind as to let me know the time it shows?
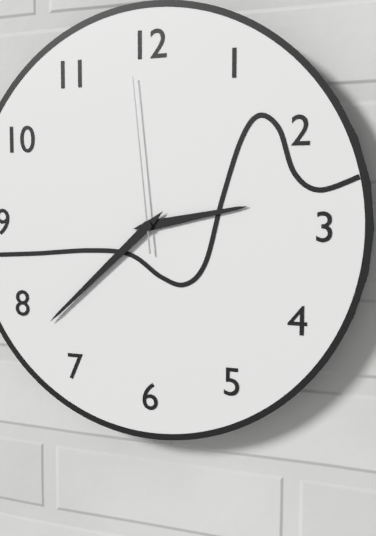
2:38:59
